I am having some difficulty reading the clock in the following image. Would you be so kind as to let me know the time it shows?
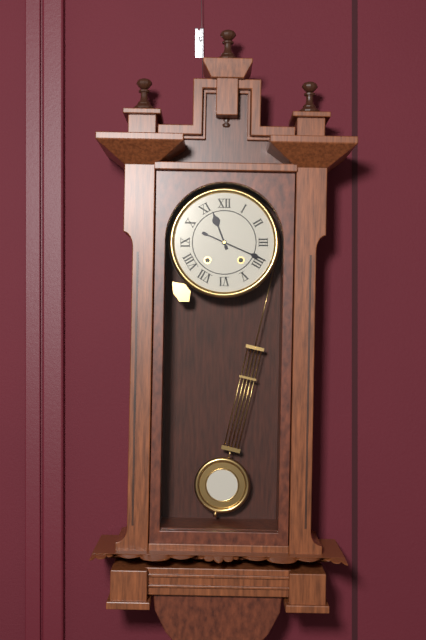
11:19
